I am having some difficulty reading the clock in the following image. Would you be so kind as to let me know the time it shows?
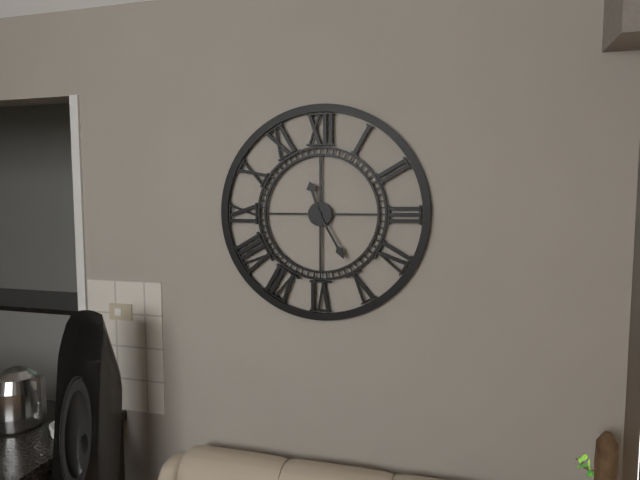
11:25
